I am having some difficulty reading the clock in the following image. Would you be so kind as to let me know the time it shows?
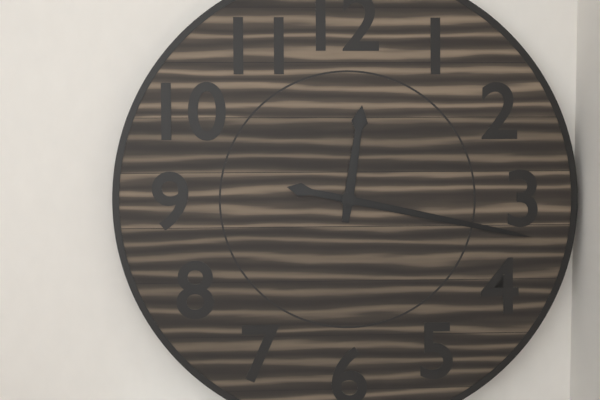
12:17
